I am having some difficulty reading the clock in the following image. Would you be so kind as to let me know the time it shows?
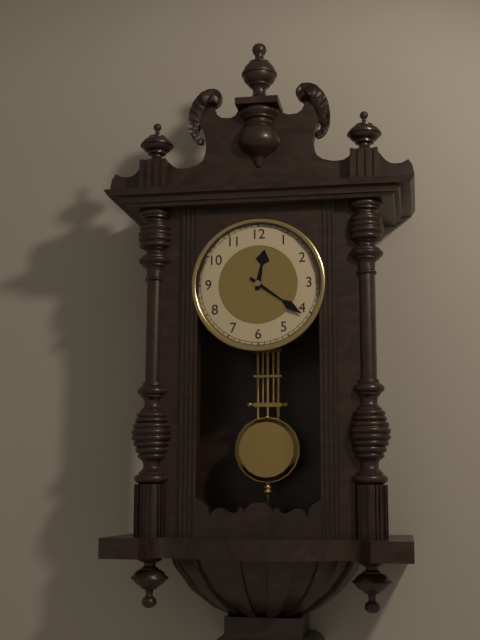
12:21
